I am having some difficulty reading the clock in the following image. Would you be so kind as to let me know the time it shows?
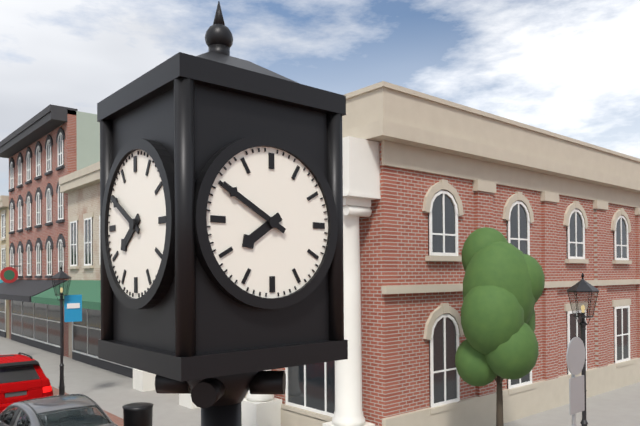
7:50
